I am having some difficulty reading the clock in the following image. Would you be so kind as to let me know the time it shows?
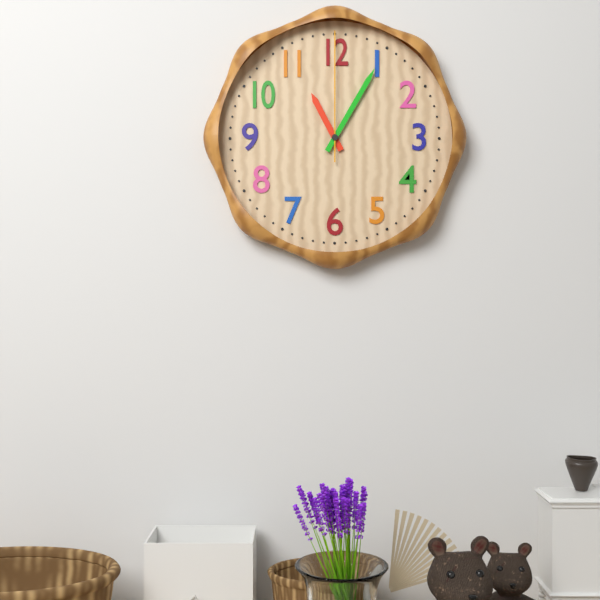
11:05:00
